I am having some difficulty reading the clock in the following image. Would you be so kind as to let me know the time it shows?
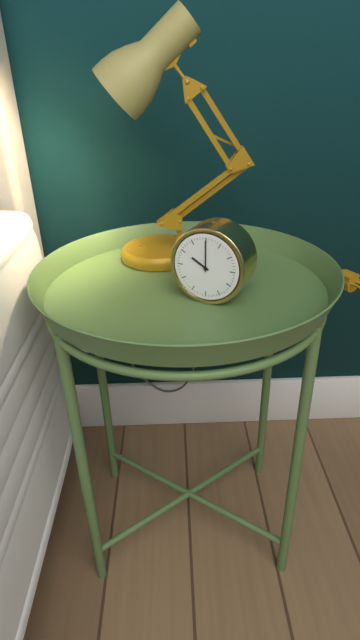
10:00
